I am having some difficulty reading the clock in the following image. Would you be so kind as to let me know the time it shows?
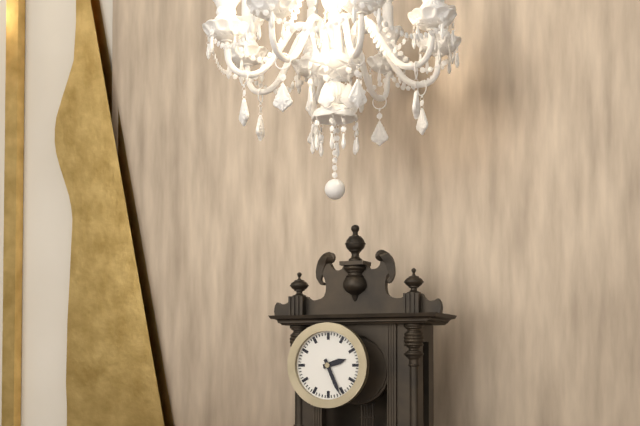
2:26
